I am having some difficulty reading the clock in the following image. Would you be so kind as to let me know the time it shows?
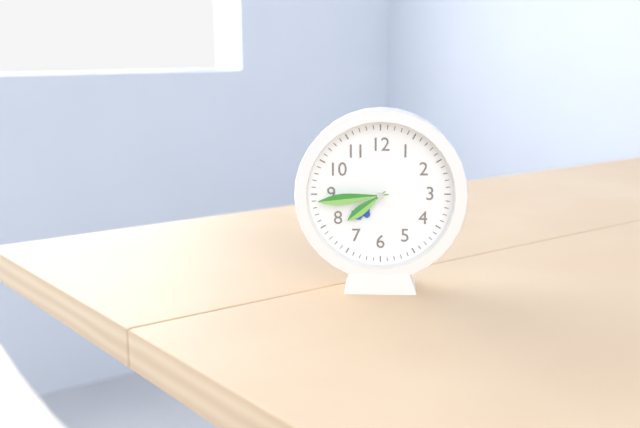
7:44
